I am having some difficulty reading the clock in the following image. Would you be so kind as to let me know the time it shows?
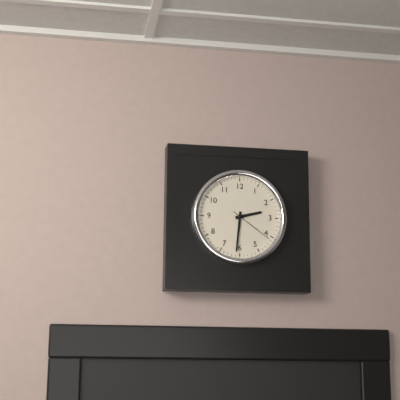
2:31
